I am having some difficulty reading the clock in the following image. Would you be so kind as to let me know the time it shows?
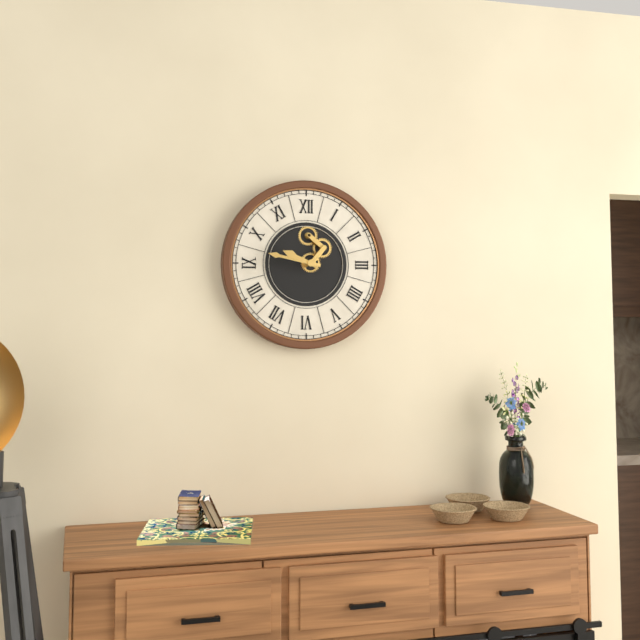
9:47
